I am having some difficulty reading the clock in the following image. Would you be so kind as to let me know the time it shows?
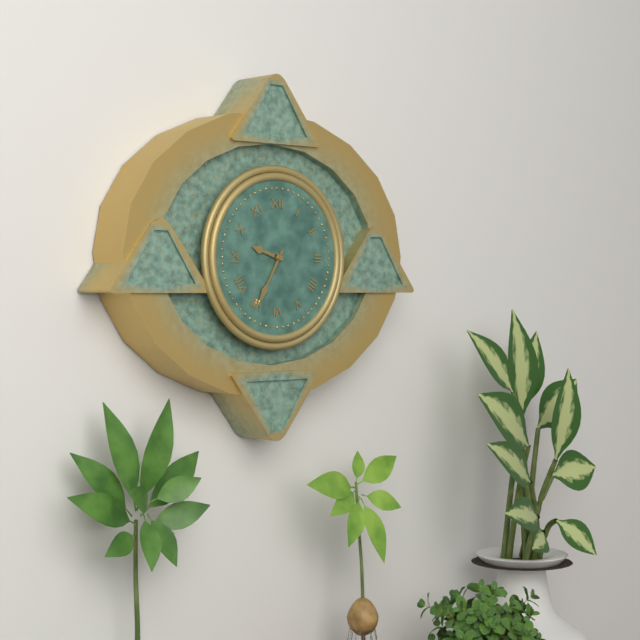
9:35
